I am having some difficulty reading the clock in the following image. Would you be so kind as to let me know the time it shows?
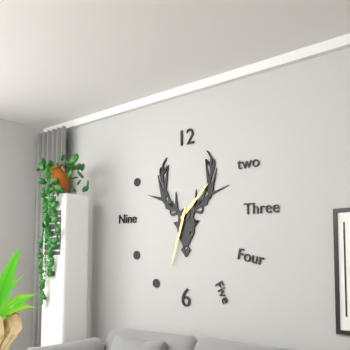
1:33
